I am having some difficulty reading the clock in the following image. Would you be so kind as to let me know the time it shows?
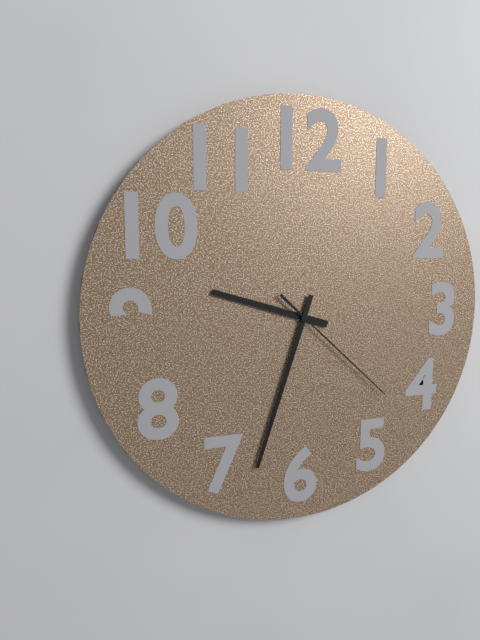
9:33:22
